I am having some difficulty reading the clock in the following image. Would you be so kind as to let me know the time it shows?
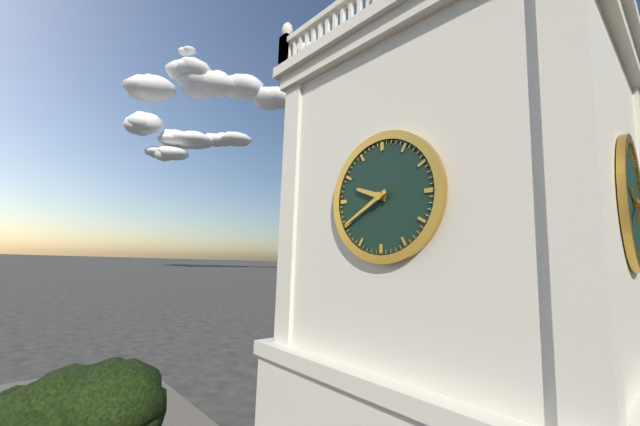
9:40
